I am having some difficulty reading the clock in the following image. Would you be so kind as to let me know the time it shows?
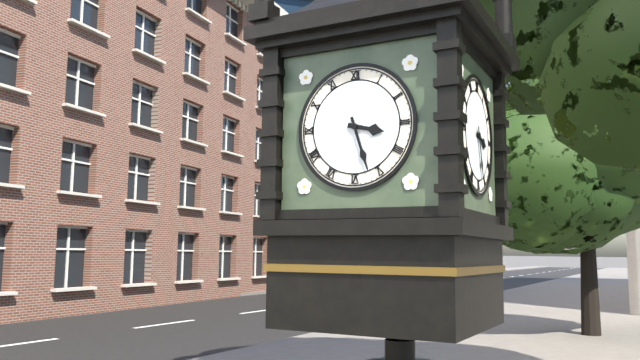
3:27
